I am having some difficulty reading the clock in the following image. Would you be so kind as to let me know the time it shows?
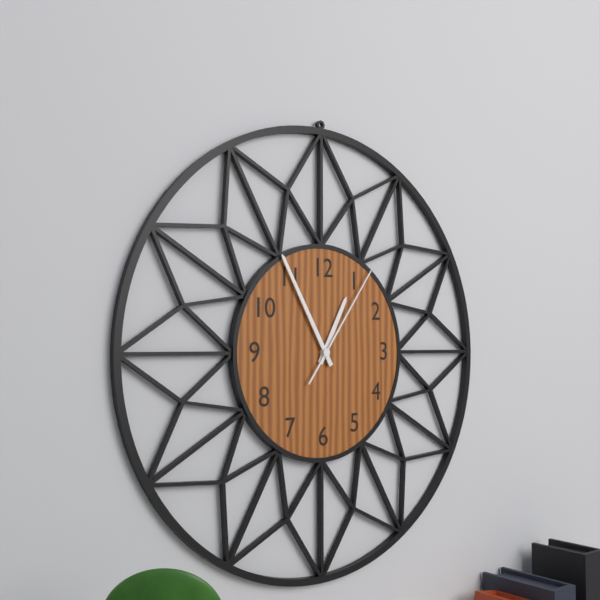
12:55:06
